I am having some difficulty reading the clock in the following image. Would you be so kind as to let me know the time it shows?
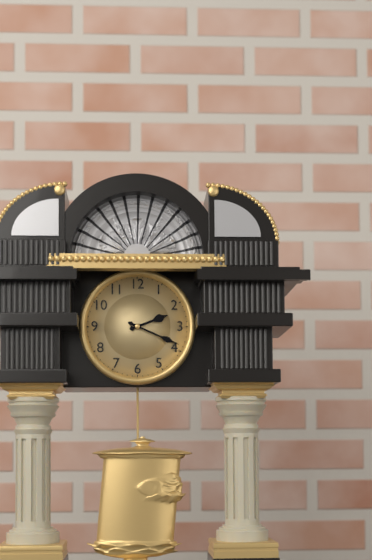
2:19
